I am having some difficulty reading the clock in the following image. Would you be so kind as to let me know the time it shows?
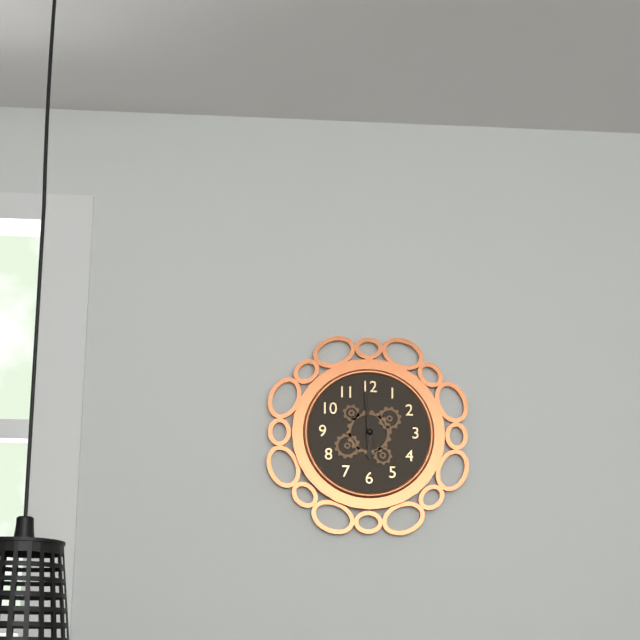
5:59
